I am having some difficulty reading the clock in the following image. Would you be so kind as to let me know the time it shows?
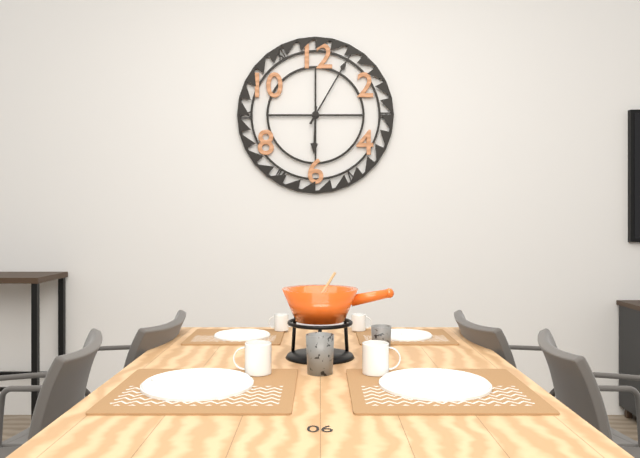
6:05
